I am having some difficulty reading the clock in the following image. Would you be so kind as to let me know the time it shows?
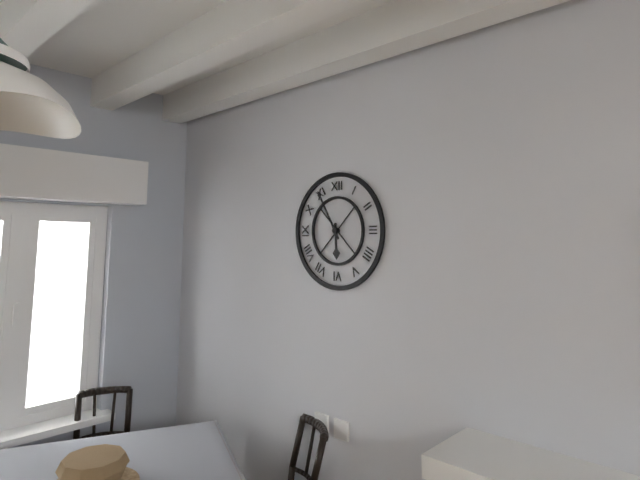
5:55
